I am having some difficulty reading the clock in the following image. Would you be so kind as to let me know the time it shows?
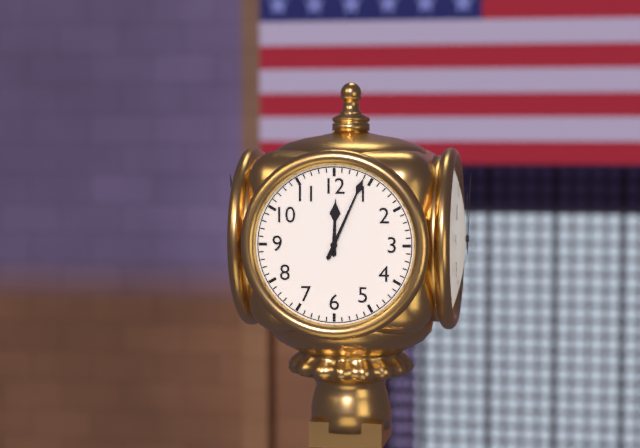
12:04
